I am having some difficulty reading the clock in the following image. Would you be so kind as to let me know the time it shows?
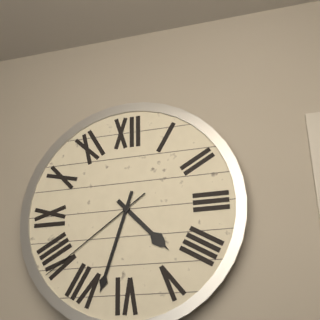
4:33:39
